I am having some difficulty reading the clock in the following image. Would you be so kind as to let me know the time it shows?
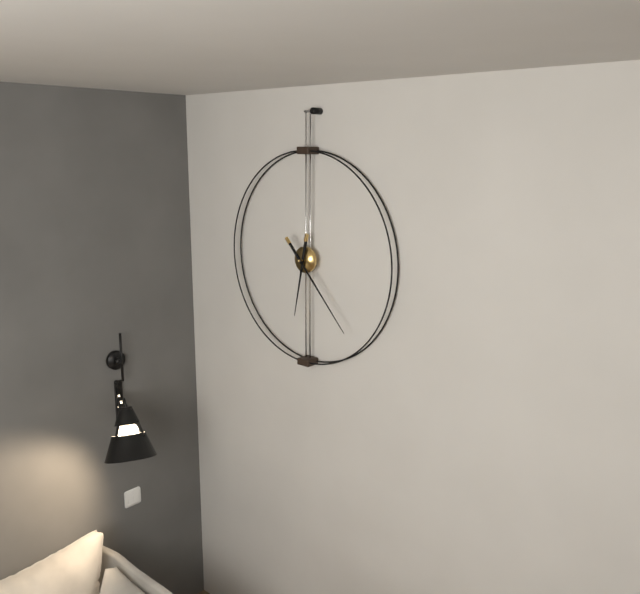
6:23
